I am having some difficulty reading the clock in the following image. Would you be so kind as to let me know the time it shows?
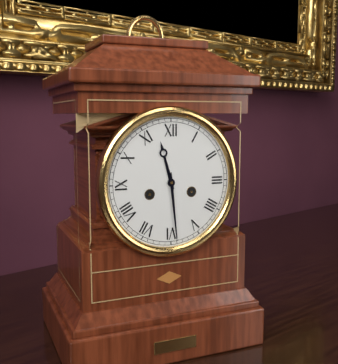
11:29
